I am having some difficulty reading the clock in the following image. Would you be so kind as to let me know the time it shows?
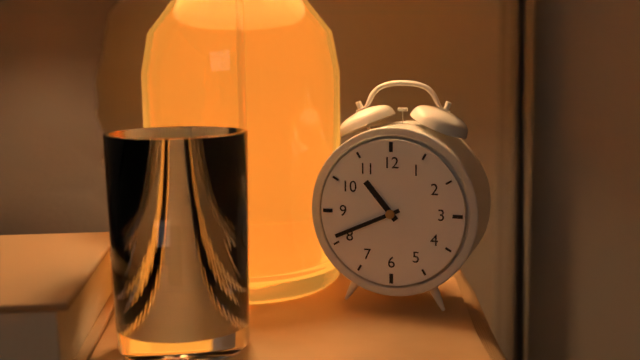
10:41
